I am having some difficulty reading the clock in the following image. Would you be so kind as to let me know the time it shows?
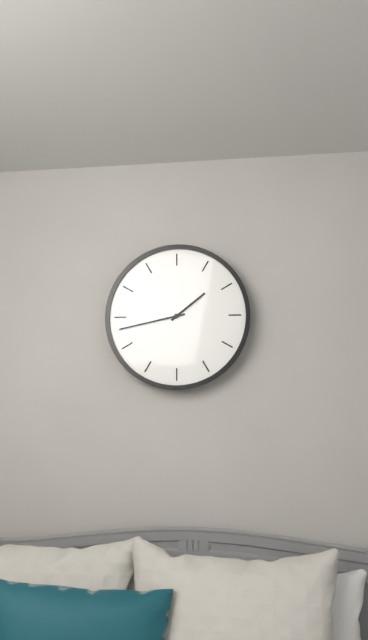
1:43
